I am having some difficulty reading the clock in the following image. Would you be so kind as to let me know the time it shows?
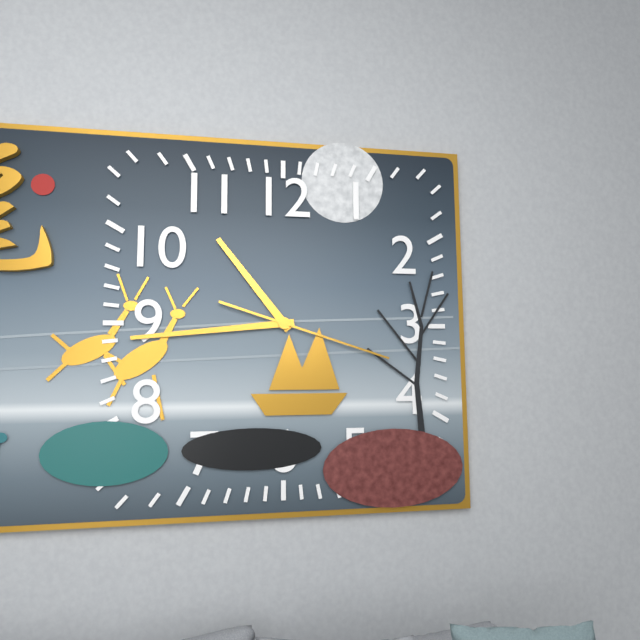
10:44:18
